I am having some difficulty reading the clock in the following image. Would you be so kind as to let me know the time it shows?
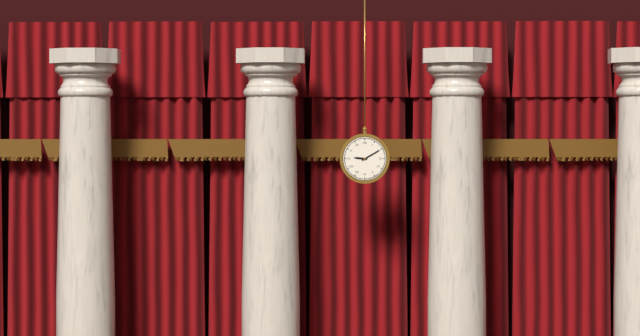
9:10
